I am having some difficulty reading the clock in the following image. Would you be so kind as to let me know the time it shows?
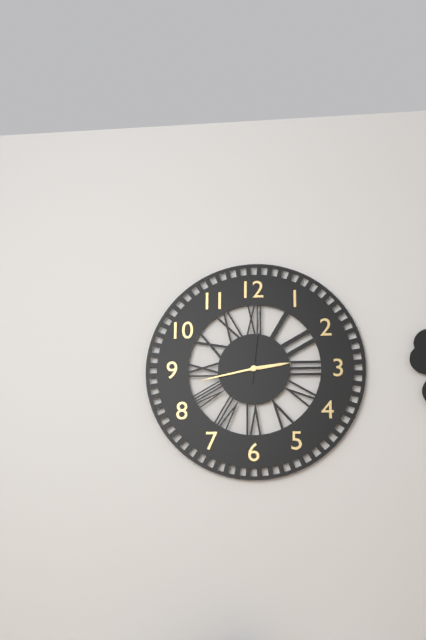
2:43:01
